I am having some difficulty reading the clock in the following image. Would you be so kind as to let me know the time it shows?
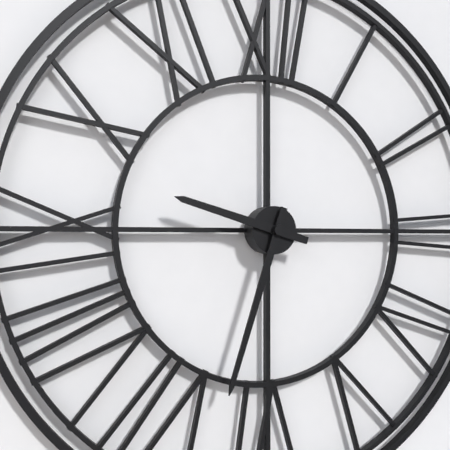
9:33
